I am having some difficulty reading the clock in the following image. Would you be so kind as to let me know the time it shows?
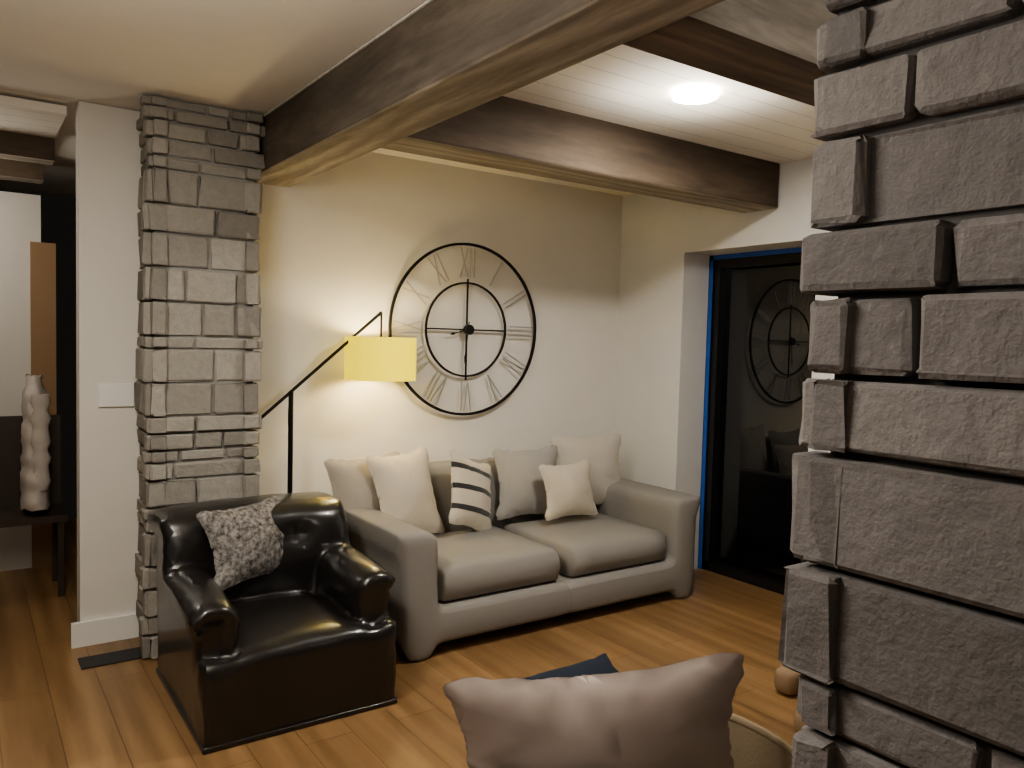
8:31
